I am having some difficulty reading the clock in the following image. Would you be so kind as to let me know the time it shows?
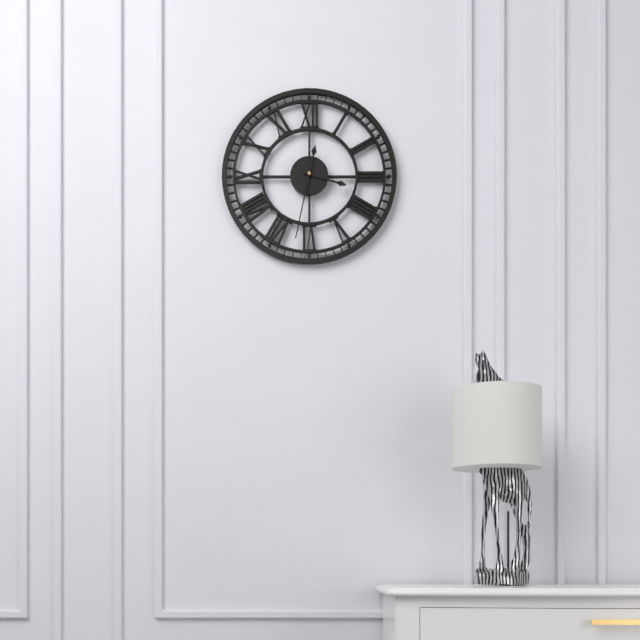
3:32
